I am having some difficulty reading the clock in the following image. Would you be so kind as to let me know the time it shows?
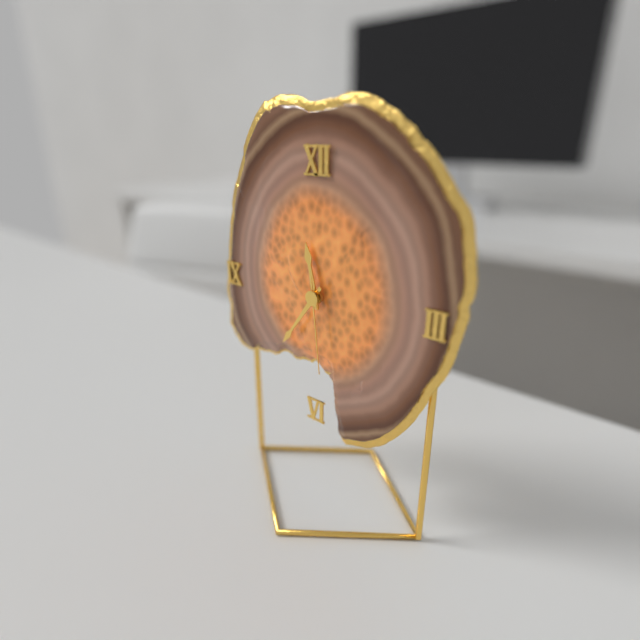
11:36:29
